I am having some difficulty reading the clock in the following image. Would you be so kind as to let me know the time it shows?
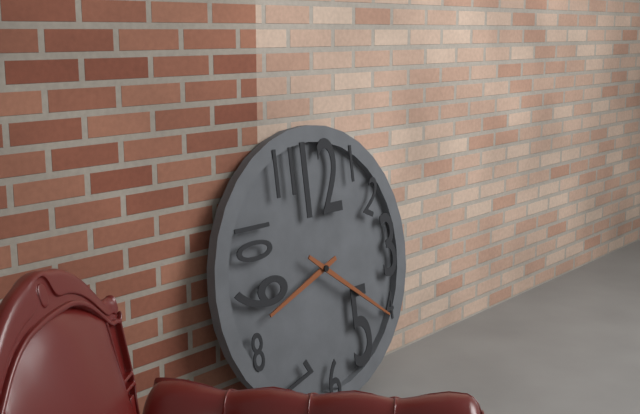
8:21
